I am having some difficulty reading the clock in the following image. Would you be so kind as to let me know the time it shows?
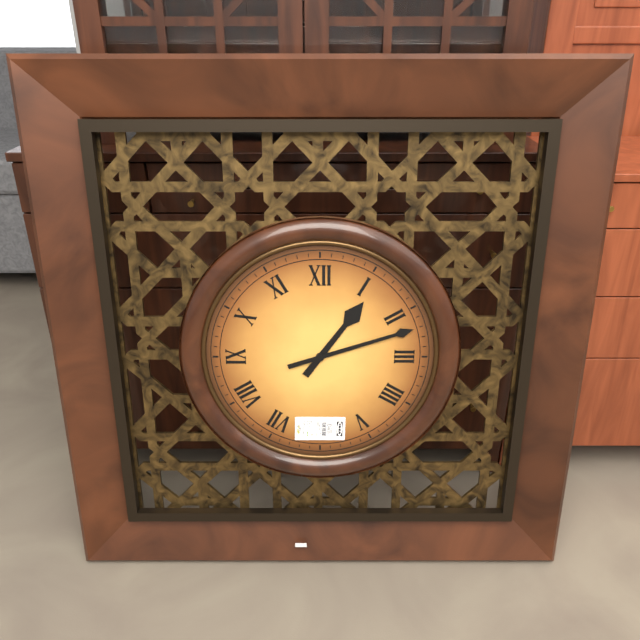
1:12
